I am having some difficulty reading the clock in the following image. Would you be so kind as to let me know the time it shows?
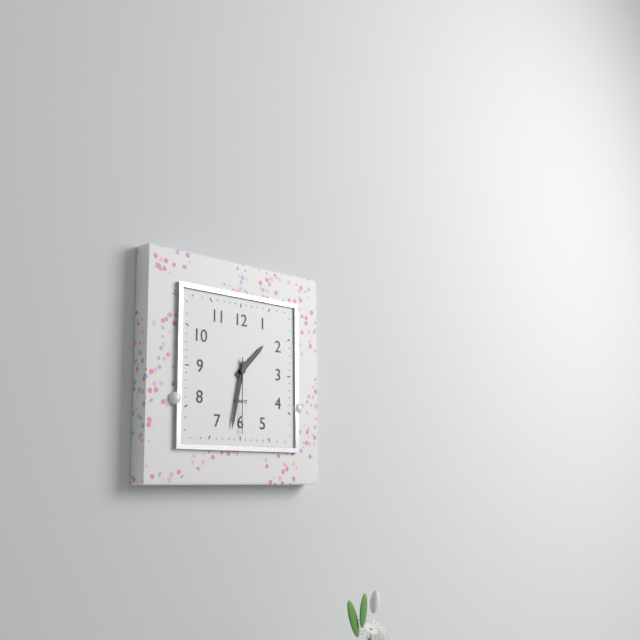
1:32:30
